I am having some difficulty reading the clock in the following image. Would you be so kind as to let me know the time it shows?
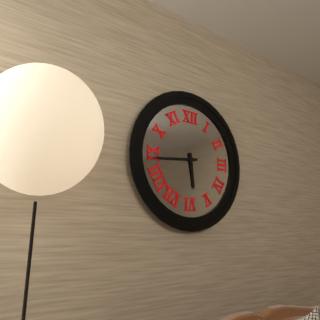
5:44
